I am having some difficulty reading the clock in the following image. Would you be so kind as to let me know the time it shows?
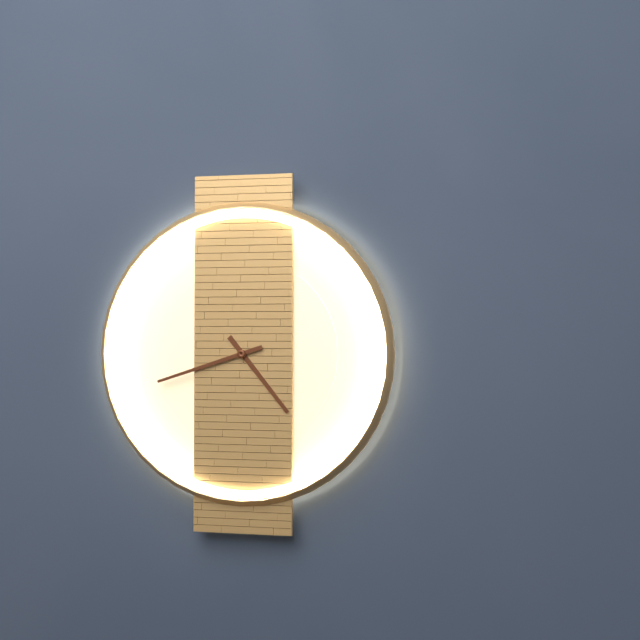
4:42
